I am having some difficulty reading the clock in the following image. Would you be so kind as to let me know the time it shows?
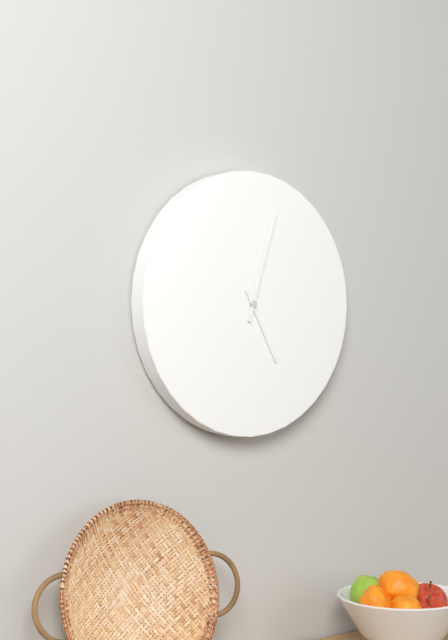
5:03
